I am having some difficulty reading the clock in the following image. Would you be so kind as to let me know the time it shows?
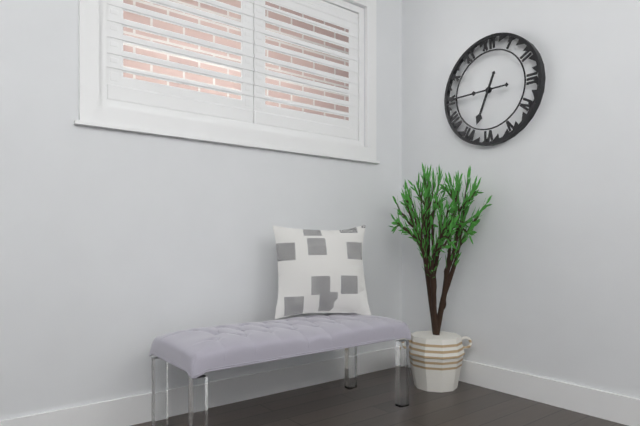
6:45
